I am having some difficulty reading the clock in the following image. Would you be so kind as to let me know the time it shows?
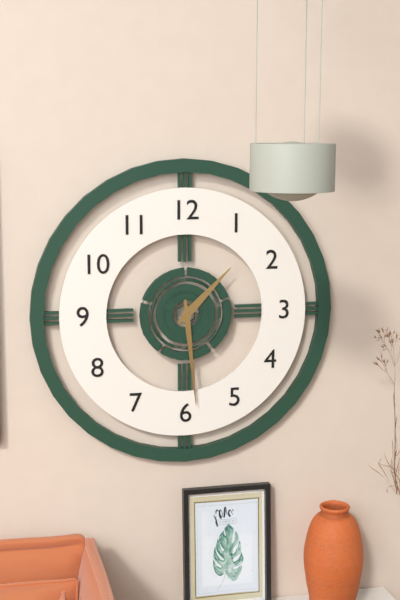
1:29
